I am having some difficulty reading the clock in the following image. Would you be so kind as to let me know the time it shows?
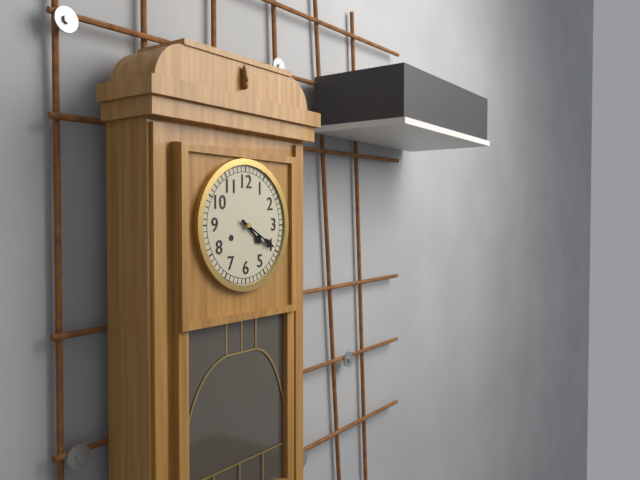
4:20
